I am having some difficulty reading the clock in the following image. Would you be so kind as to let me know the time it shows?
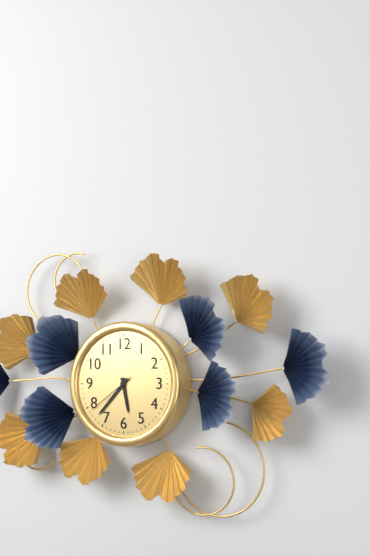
5:37:39
